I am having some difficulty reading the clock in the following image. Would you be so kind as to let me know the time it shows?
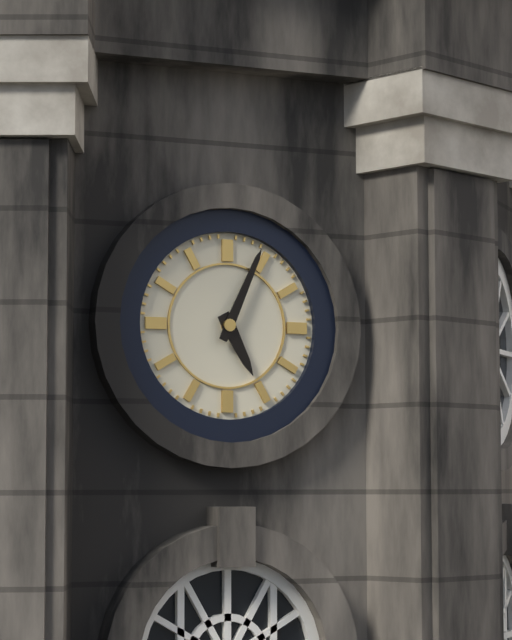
5:04
